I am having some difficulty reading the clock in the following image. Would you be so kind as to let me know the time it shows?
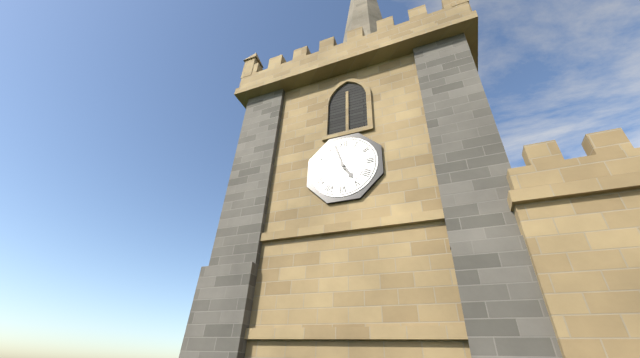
4:57
